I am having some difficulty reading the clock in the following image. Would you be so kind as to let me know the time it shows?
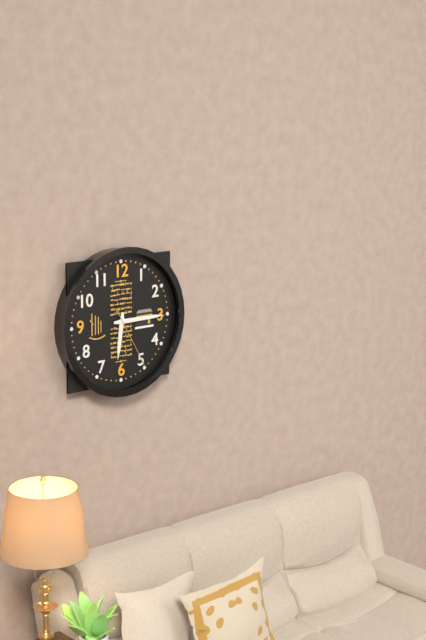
6:15:25
